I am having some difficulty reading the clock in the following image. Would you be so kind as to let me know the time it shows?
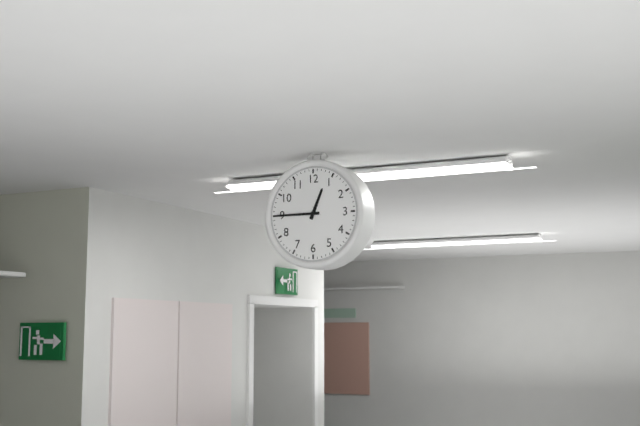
12:45
